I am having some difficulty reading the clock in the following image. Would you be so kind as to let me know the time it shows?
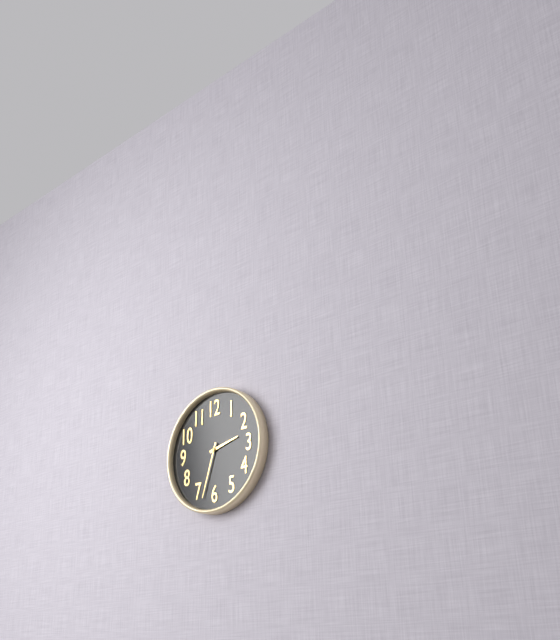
2:33
